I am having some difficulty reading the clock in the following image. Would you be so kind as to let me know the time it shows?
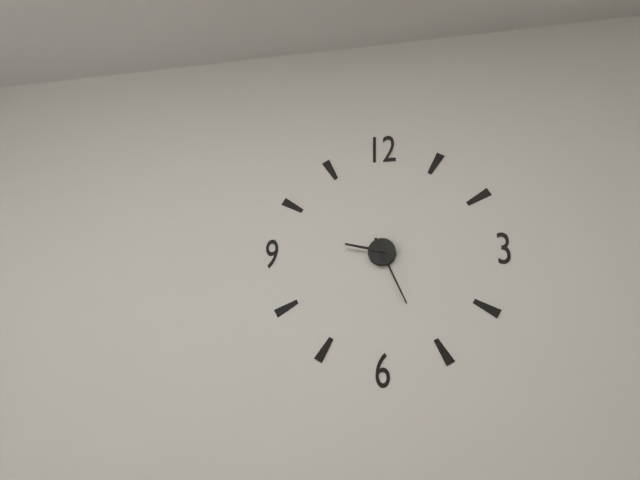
9:26
